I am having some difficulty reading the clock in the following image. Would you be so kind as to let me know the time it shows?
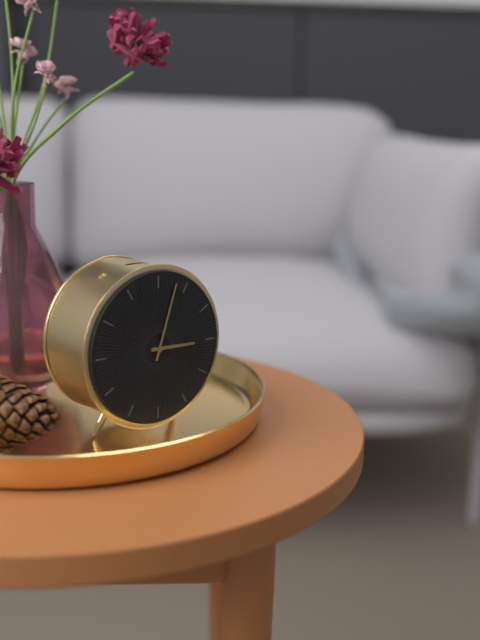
3:03
